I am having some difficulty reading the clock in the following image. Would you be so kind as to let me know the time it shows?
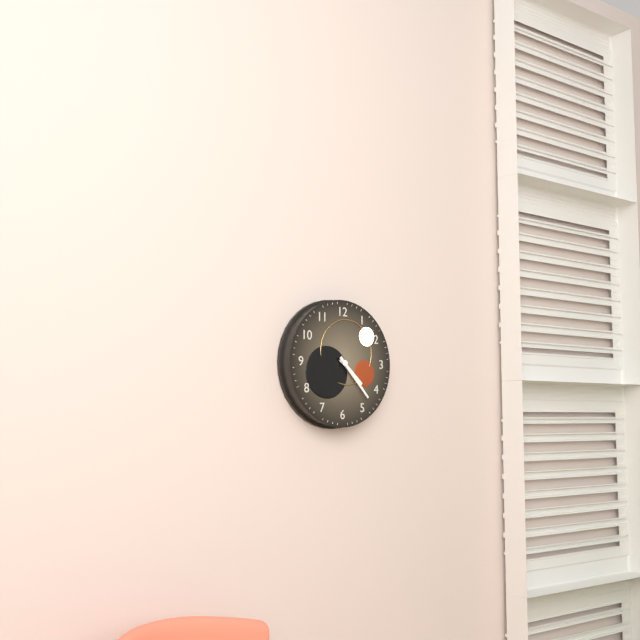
4:23
